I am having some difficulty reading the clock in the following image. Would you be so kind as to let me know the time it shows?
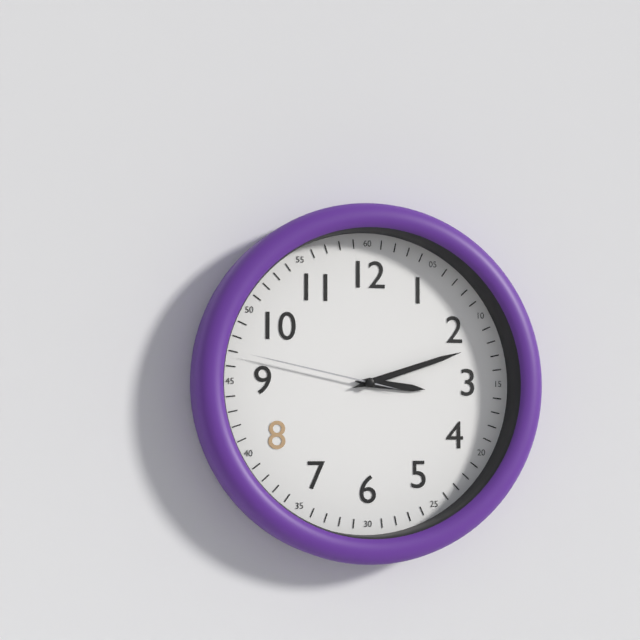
3:12:47
